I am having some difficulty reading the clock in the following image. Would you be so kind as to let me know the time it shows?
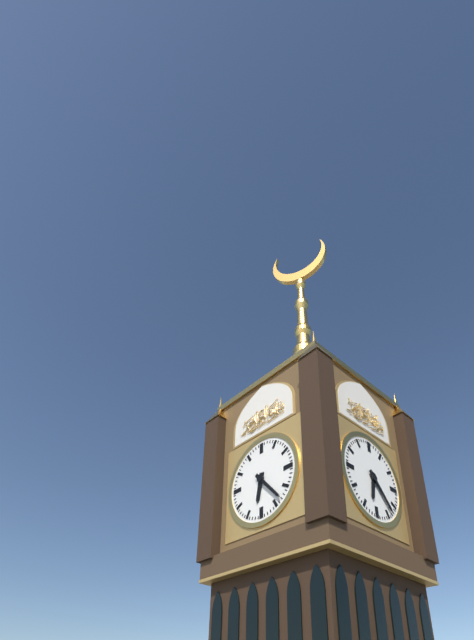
6:23
